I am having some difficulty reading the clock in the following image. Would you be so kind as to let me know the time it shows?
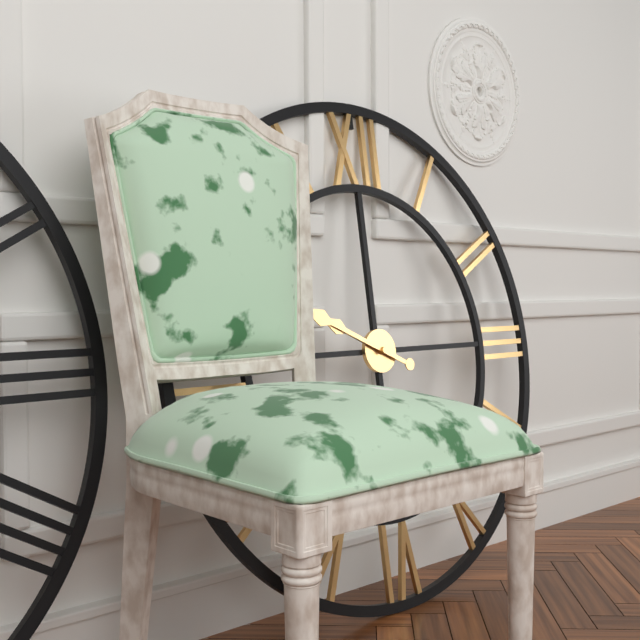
9:49
